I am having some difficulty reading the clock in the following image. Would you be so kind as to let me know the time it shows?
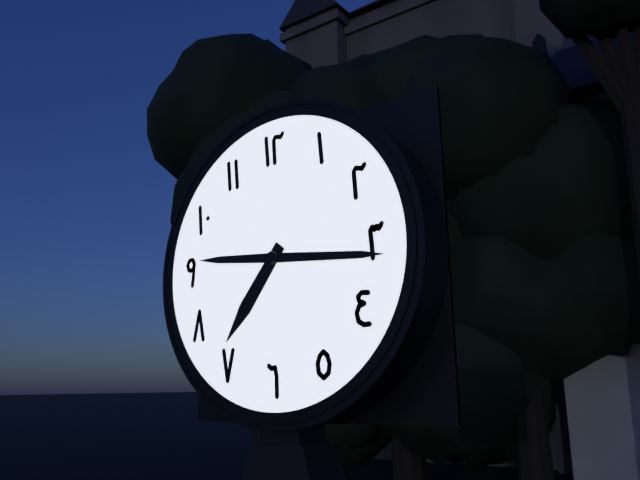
7:16
